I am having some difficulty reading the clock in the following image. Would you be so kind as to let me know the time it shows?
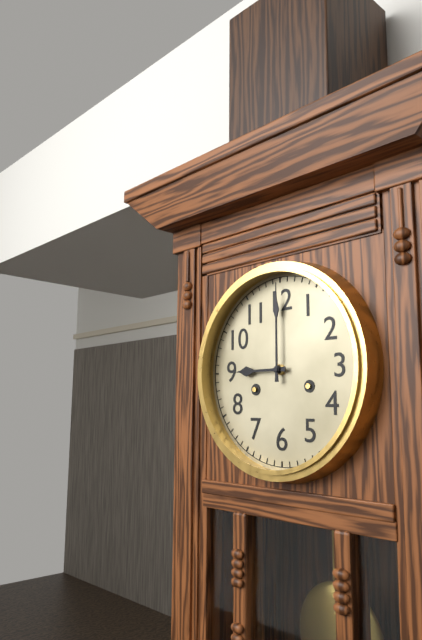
9:00
